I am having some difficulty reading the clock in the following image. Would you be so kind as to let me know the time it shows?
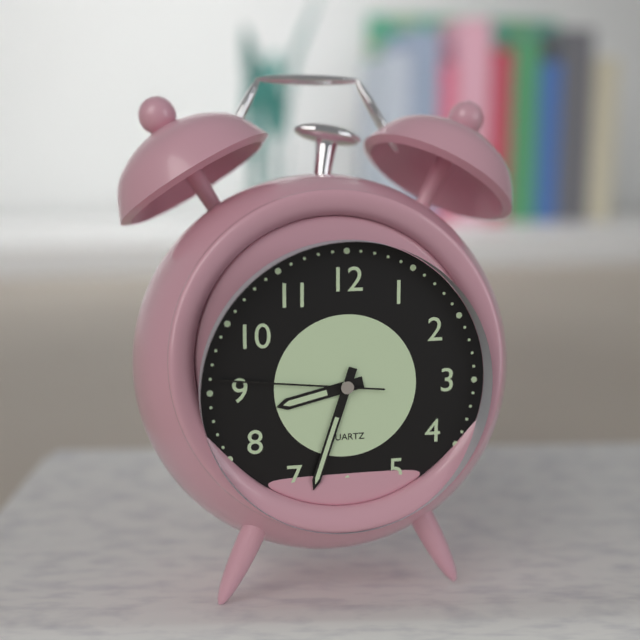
8:33:46
